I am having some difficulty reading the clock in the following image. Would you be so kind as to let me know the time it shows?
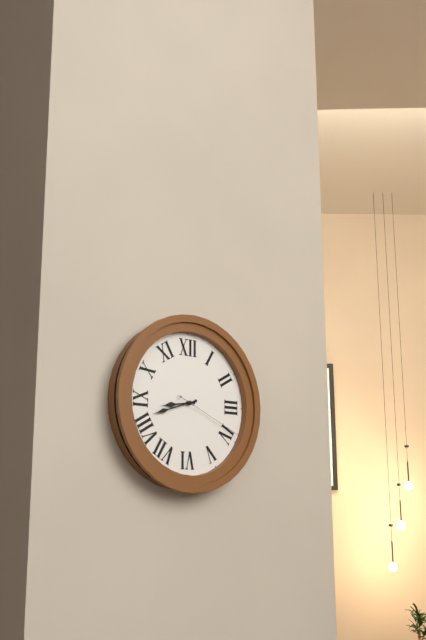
8:42:19
